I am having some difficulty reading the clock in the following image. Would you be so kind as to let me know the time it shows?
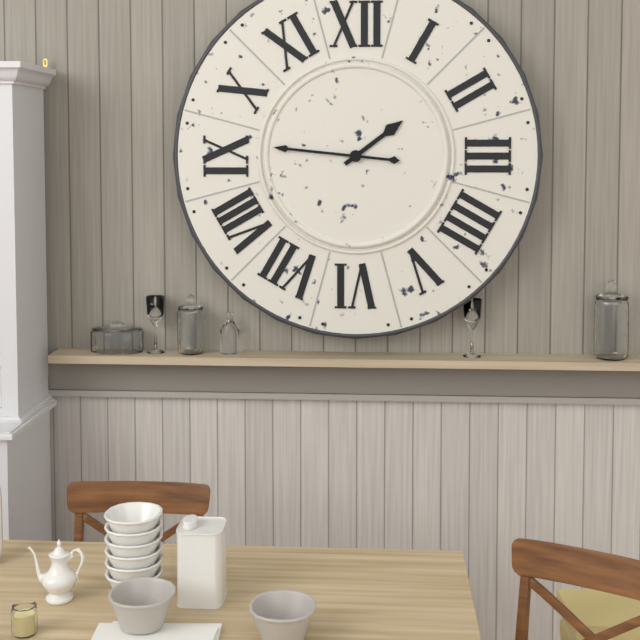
1:46
